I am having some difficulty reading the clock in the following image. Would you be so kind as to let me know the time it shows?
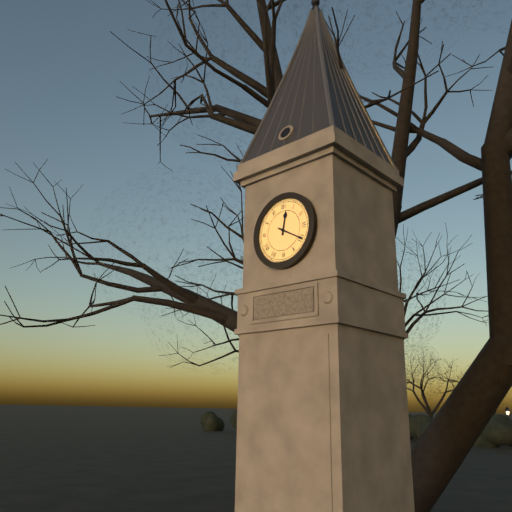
12:20
